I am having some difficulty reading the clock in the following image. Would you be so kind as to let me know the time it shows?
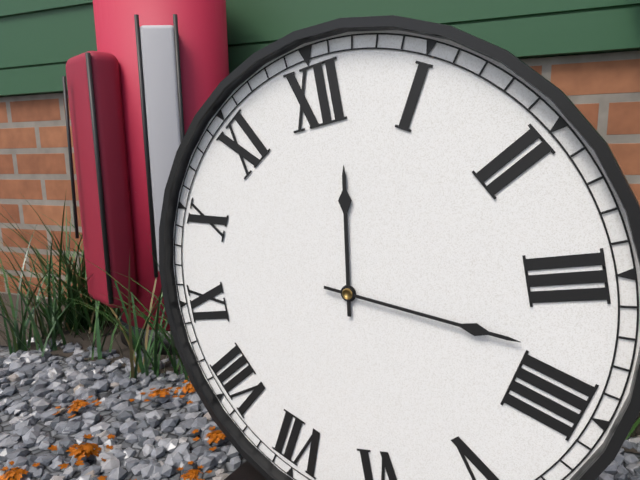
12:18
